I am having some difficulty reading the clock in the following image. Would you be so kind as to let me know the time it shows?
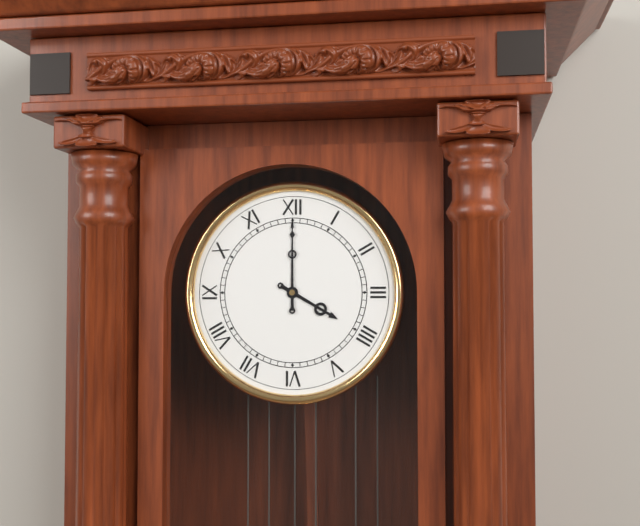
4:00
